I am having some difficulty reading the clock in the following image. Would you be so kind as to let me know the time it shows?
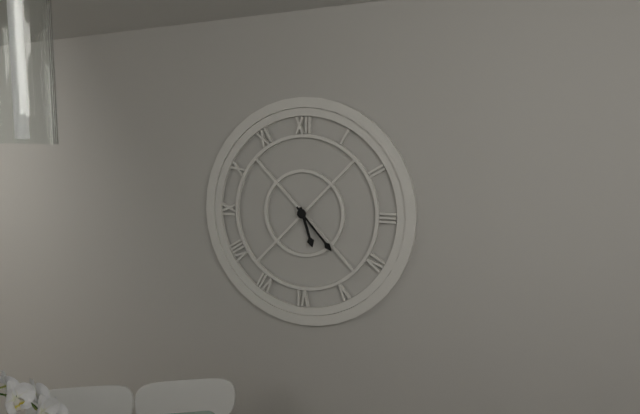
5:23
